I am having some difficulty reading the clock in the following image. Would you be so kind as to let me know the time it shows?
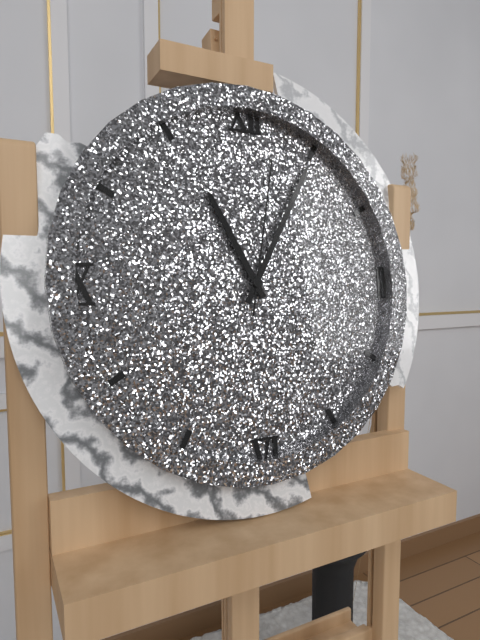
11:05:02
